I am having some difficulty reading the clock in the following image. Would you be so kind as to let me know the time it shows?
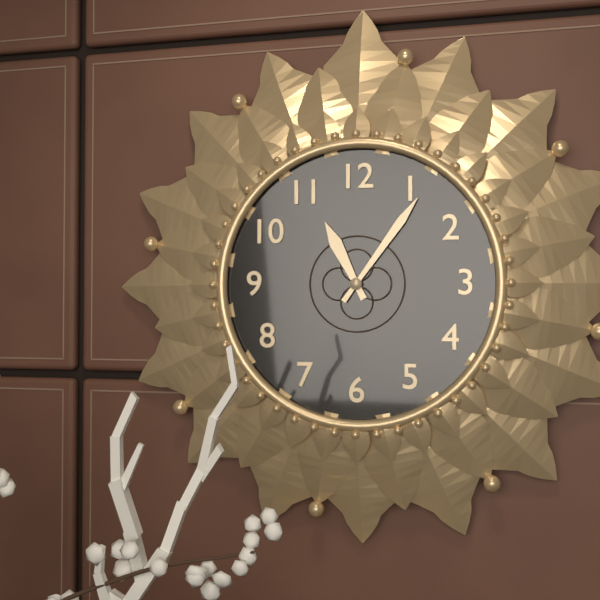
11:06
